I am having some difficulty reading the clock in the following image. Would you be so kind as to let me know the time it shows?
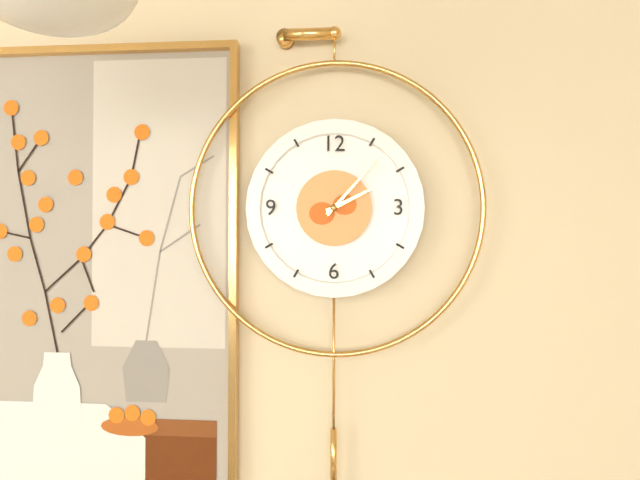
2:07
